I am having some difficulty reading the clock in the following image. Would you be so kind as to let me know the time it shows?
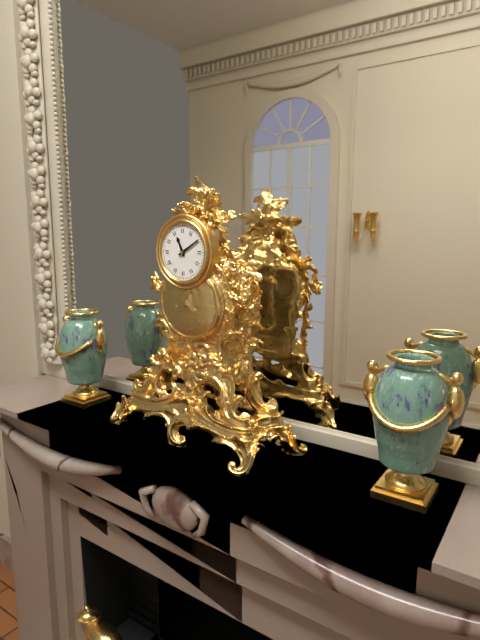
11:10
